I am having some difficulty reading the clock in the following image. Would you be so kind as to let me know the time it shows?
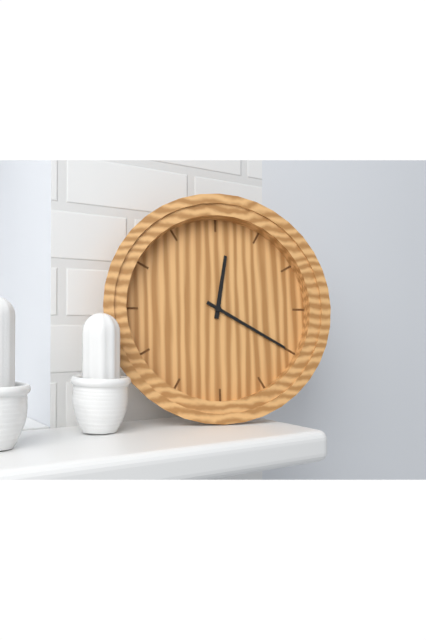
12:20
